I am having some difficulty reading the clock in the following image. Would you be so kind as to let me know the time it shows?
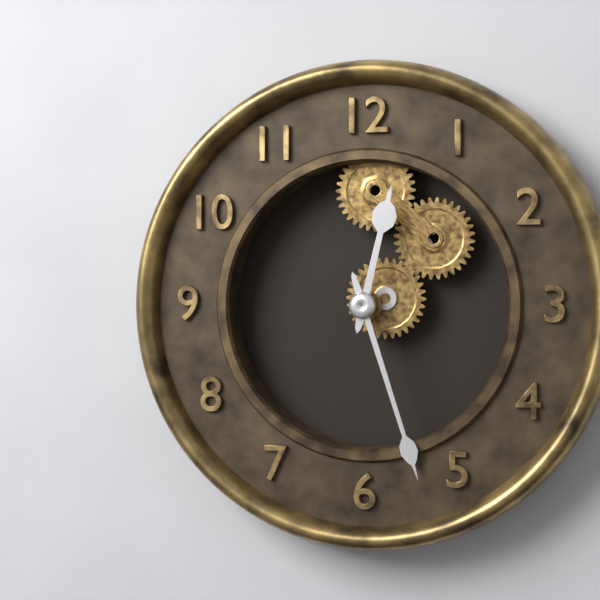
12:27
